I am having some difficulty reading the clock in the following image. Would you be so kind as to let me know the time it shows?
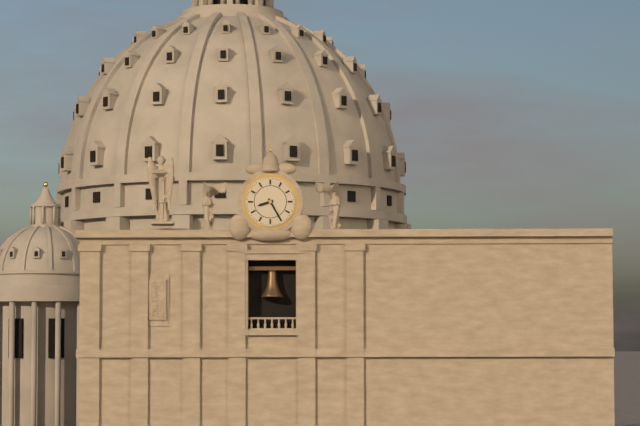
8:25
